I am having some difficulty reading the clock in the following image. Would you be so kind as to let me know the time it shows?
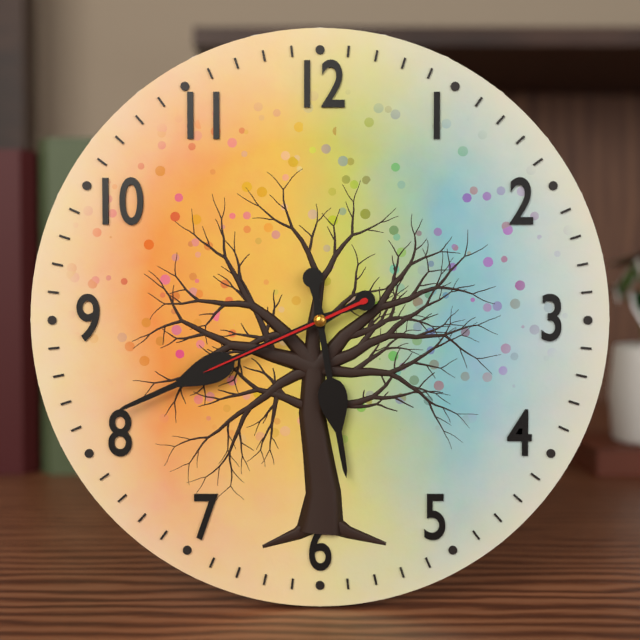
5:41:41
